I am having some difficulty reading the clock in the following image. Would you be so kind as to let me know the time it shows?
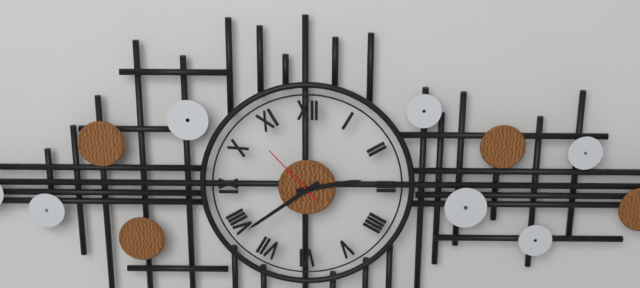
2:39:53
